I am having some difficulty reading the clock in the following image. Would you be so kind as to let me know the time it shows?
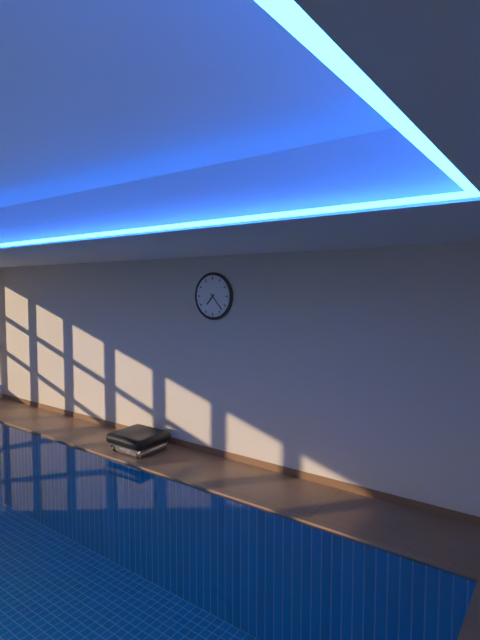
7:23
